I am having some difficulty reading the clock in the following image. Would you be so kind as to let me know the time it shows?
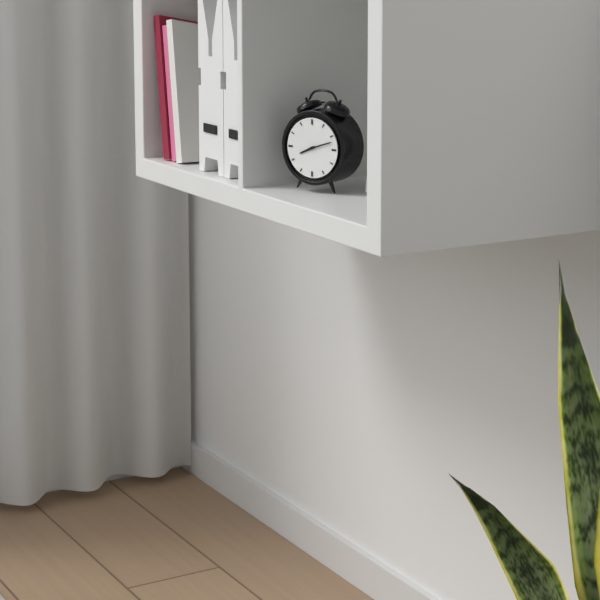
8:12
